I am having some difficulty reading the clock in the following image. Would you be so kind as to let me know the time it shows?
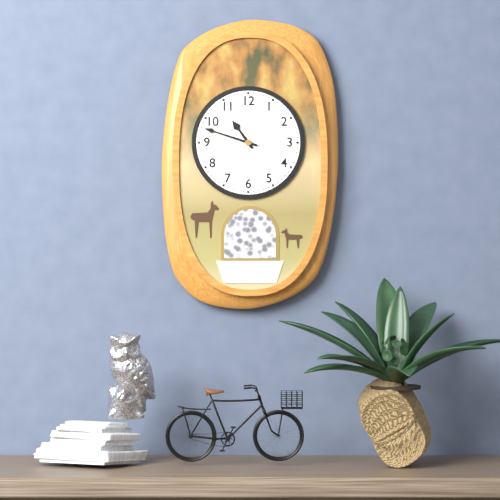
10:48
